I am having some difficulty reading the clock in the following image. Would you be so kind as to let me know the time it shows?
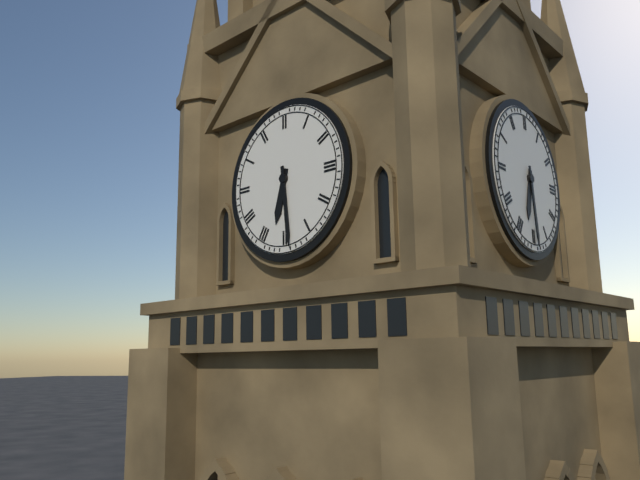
6:29
